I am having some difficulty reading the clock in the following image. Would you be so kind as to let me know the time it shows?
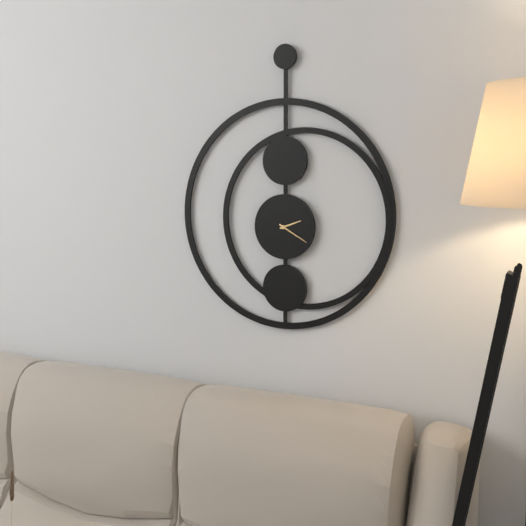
2:20
